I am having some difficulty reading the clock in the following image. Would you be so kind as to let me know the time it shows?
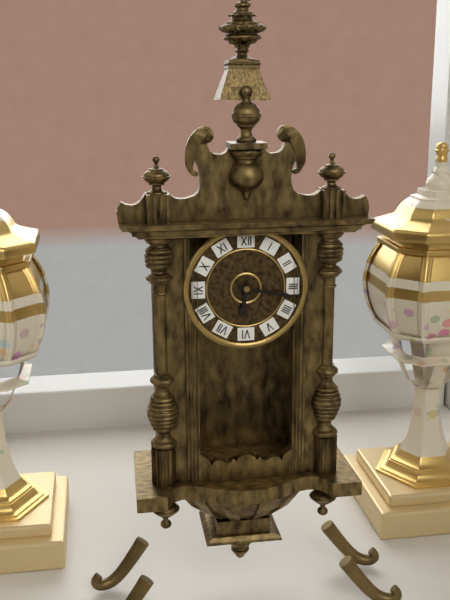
6:17
